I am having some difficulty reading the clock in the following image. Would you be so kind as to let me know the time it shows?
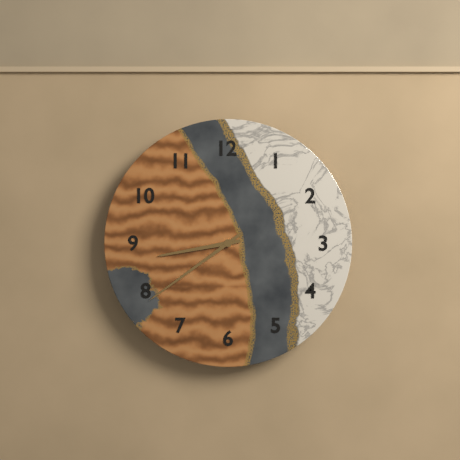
8:39
